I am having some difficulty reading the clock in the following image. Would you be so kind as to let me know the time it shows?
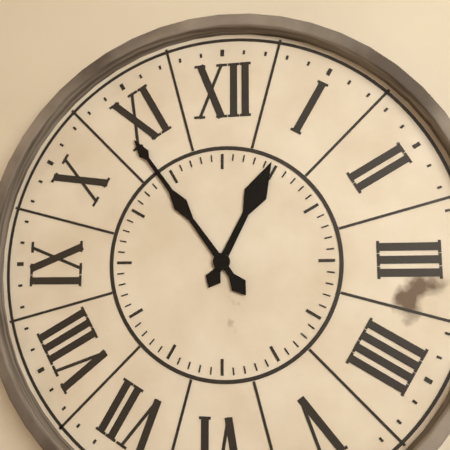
12:54
